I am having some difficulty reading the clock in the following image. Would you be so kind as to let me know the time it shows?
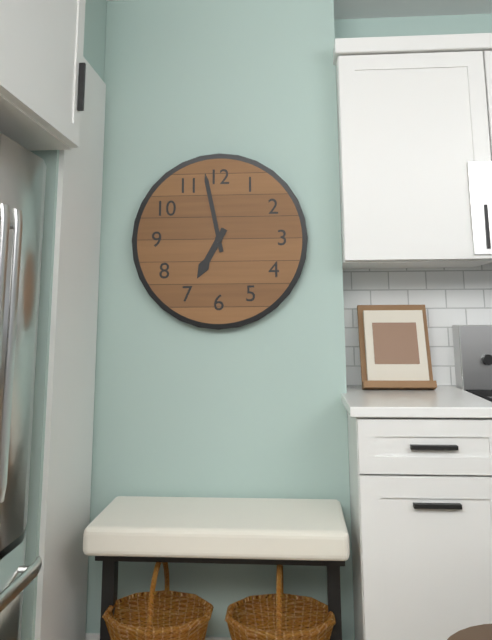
6:58
